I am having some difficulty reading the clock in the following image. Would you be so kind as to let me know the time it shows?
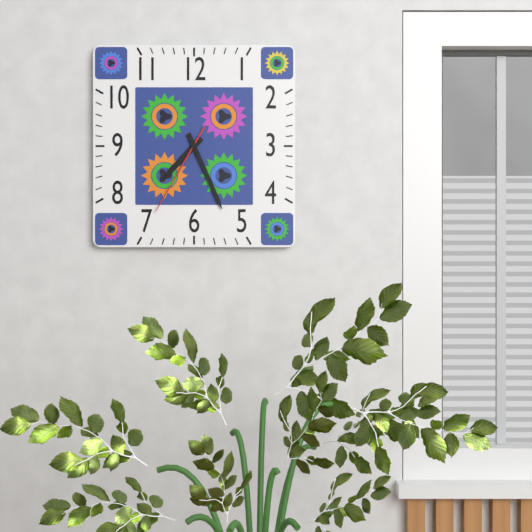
7:26:35
